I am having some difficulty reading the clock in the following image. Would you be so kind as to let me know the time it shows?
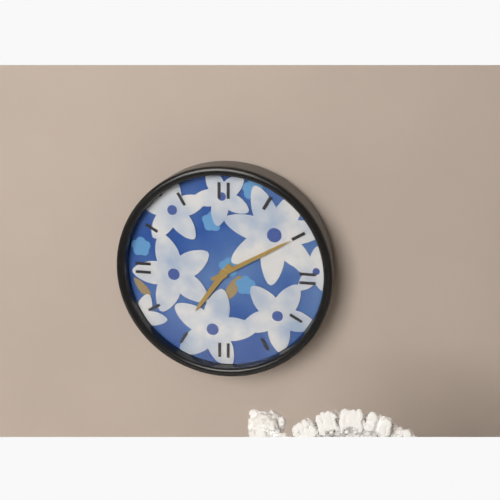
7:10
